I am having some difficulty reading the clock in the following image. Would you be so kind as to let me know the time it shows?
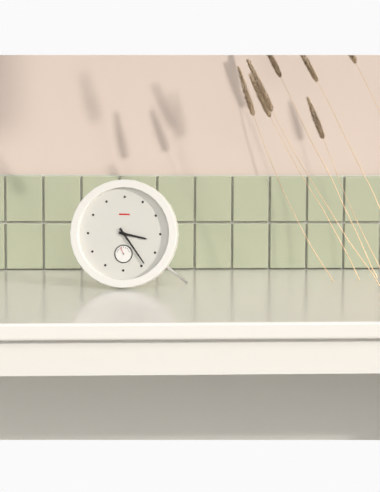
3:24
